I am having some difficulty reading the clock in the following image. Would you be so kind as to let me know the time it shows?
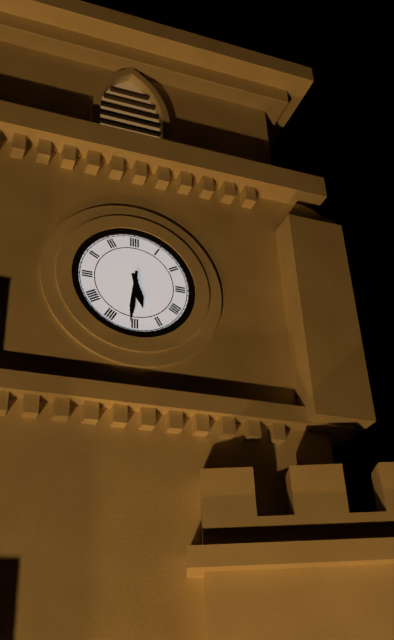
5:31
